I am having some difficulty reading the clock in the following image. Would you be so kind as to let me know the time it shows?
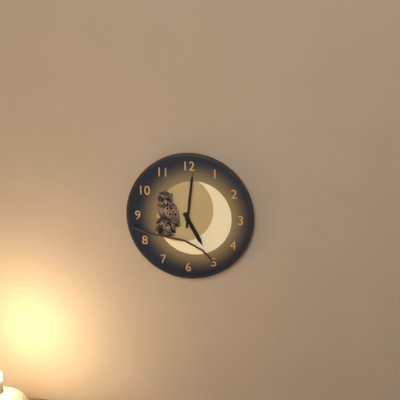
5:01
